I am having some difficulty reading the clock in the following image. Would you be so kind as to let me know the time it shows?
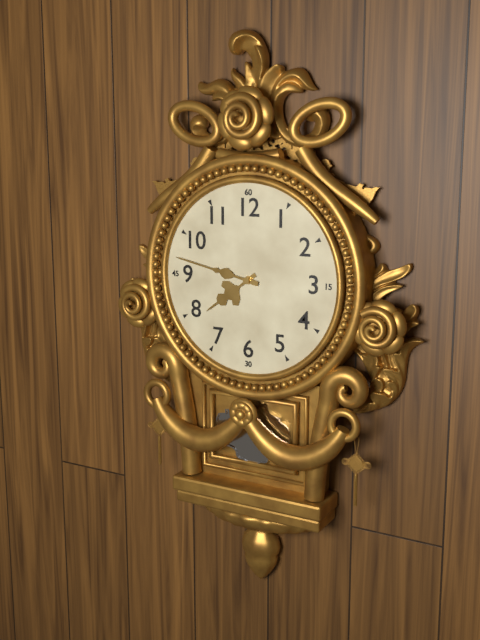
7:47
